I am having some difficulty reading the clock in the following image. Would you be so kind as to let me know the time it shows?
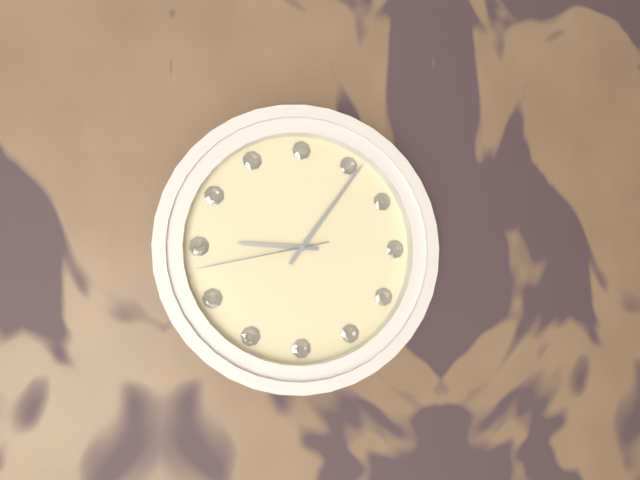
9:06:43
